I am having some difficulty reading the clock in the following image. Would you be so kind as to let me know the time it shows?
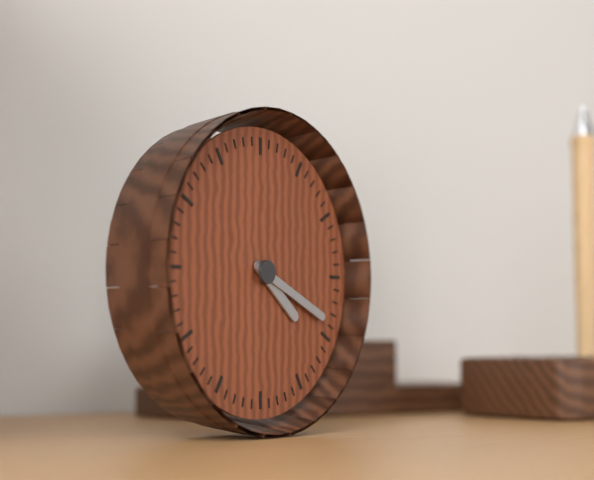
4:19
